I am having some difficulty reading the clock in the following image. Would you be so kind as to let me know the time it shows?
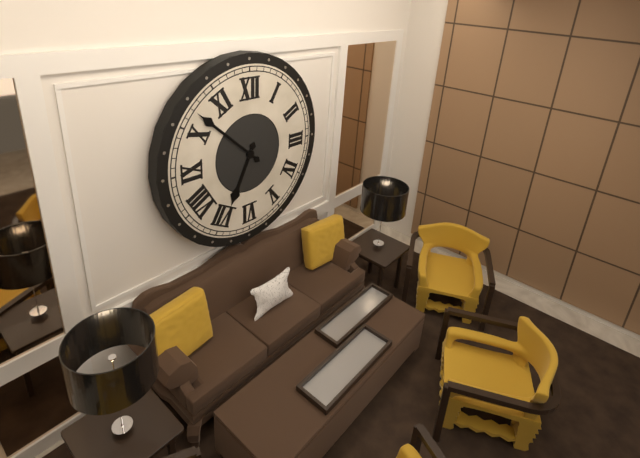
6:52
